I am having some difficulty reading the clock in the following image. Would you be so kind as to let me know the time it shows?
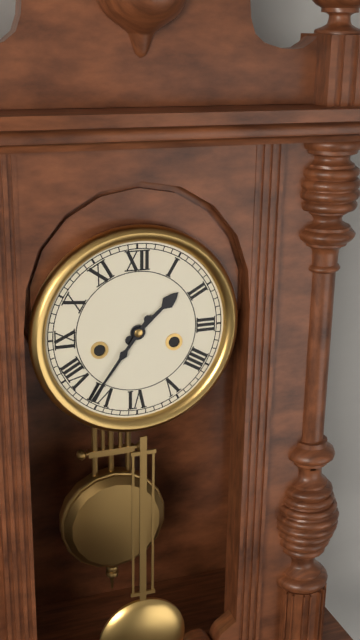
1:36
